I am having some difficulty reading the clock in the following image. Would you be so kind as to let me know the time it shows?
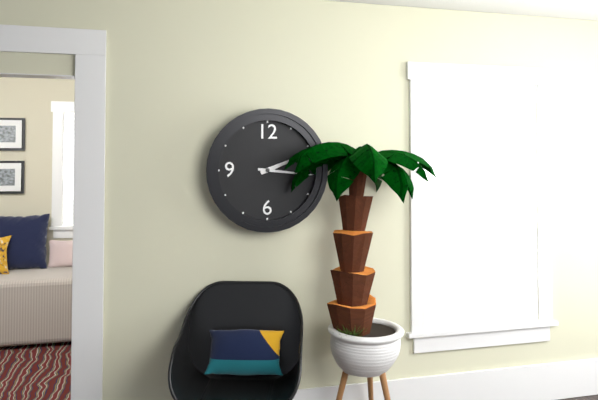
2:16
